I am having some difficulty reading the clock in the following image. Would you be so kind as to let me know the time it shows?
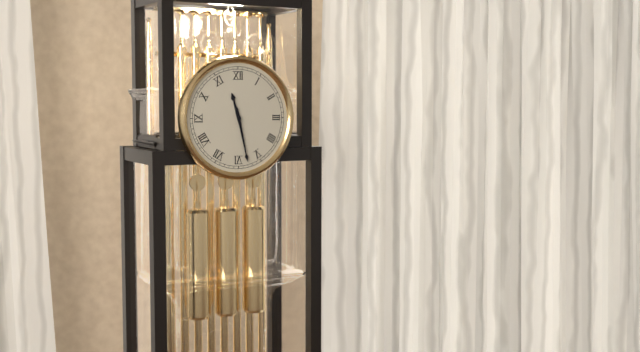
11:28
